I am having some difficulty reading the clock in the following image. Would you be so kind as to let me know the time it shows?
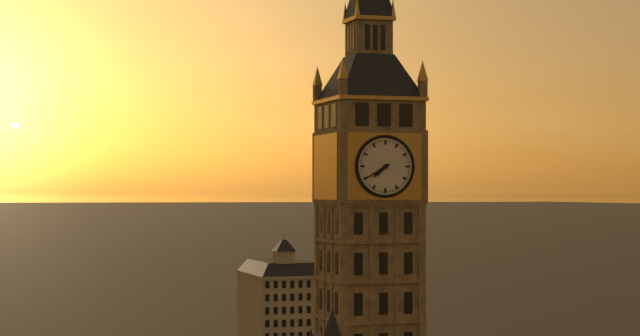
7:40
